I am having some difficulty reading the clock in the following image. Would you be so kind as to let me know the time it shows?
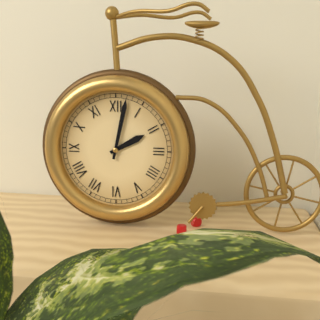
2:02
